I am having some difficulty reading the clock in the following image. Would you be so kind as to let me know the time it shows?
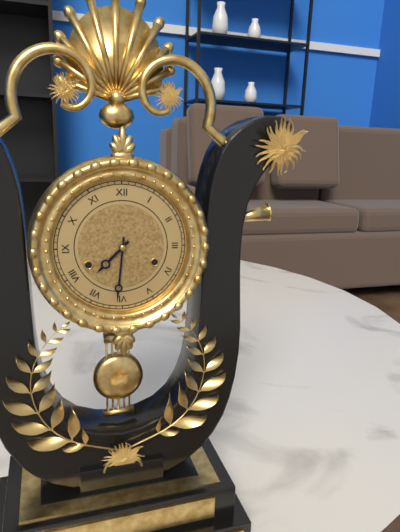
7:31
